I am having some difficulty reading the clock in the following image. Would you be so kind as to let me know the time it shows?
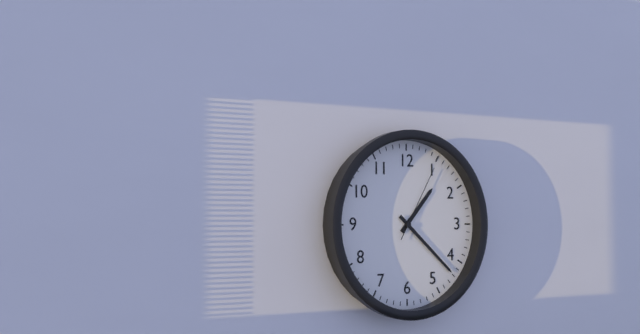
1:22:05
